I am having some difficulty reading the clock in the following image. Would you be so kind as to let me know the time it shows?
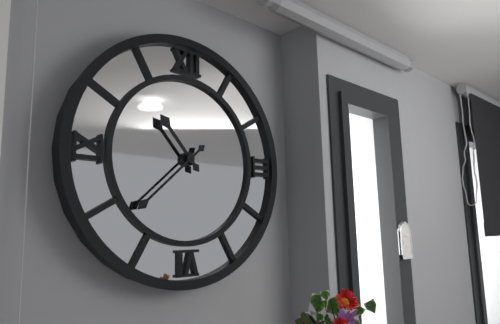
10:38
